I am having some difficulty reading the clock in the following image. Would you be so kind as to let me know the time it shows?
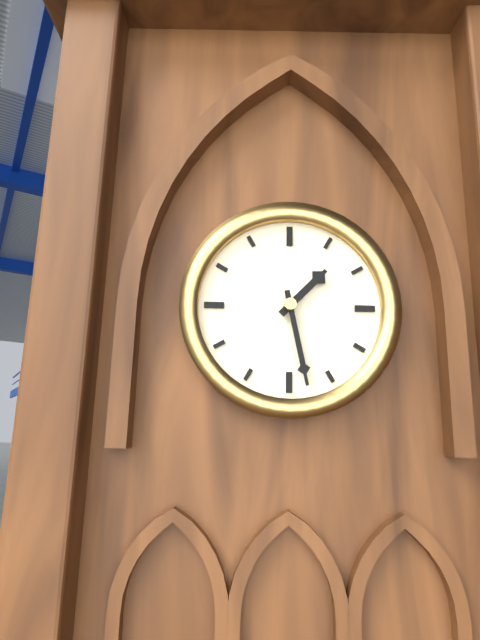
1:28
